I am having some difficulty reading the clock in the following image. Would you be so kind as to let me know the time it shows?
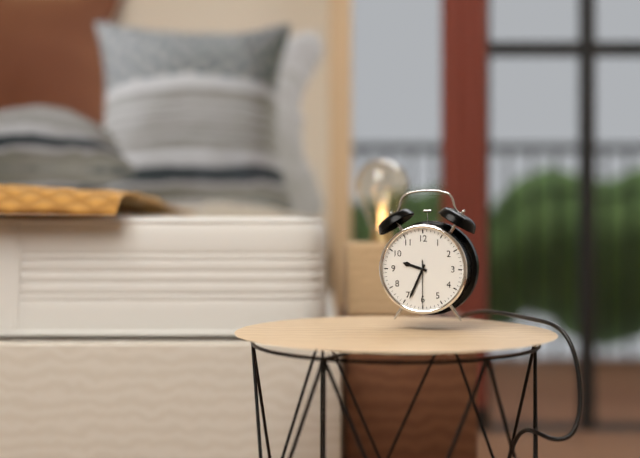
9:34
